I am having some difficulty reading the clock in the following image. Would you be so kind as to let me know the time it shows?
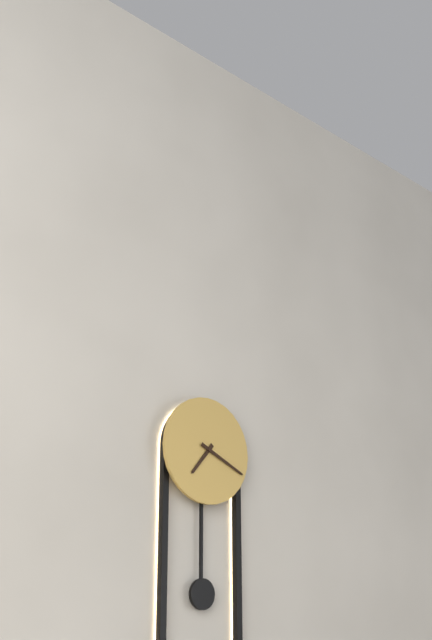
7:19
